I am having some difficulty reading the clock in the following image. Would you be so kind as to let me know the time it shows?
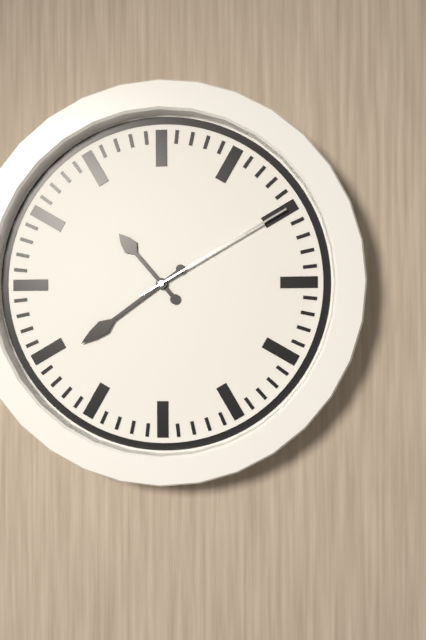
10:39:10
